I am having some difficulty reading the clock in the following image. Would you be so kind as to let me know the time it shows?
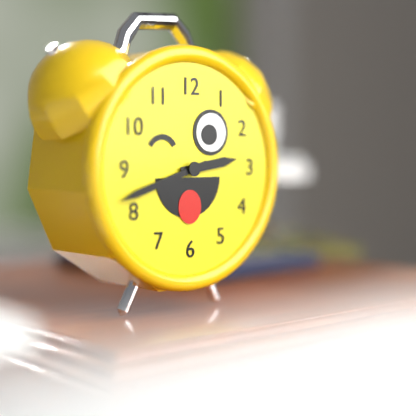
2:42
